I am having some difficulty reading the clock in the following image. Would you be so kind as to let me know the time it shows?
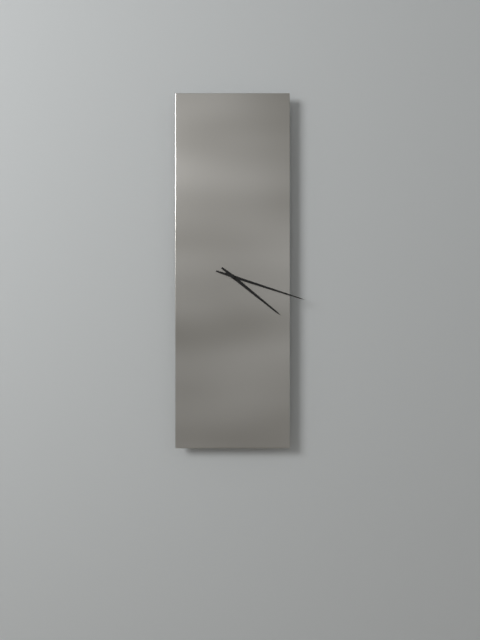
4:18
